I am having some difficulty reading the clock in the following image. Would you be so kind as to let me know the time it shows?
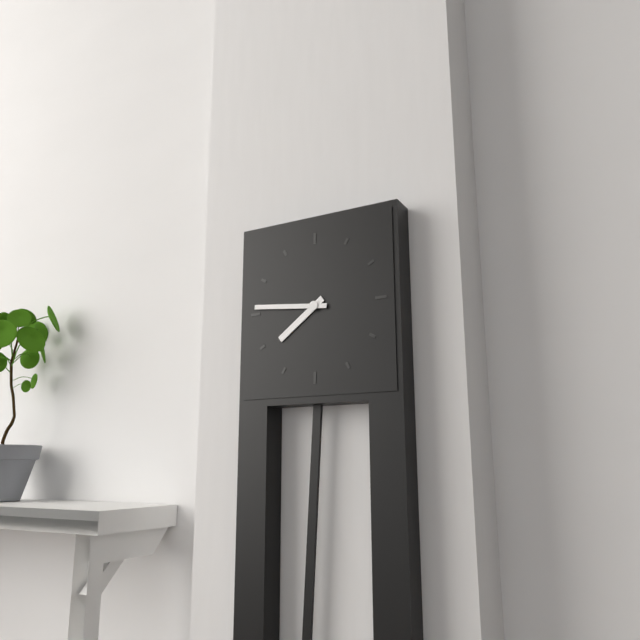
7:46
